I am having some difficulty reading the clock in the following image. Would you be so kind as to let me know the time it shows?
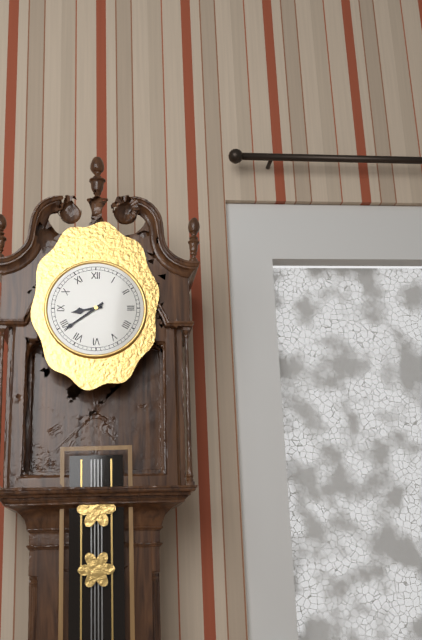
8:39
